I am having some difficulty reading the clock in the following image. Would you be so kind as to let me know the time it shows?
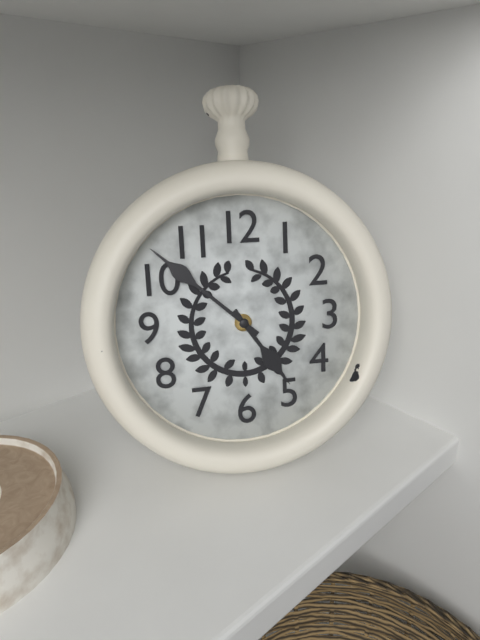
4:52
